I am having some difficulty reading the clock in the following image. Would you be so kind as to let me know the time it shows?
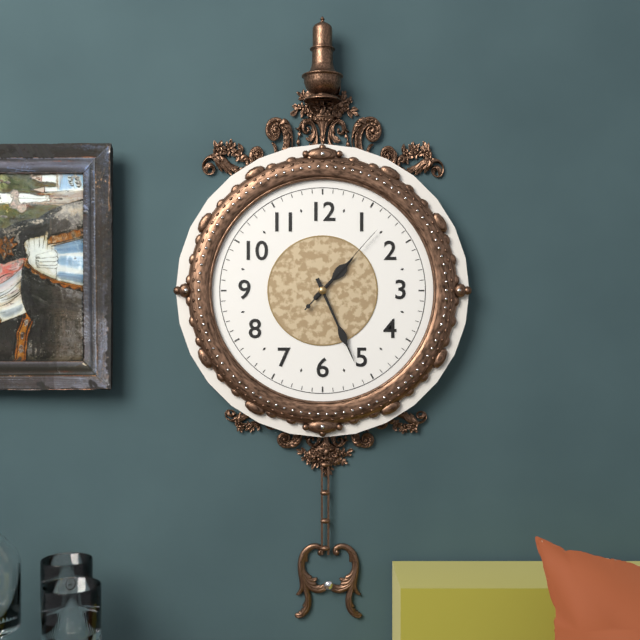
1:26:07
